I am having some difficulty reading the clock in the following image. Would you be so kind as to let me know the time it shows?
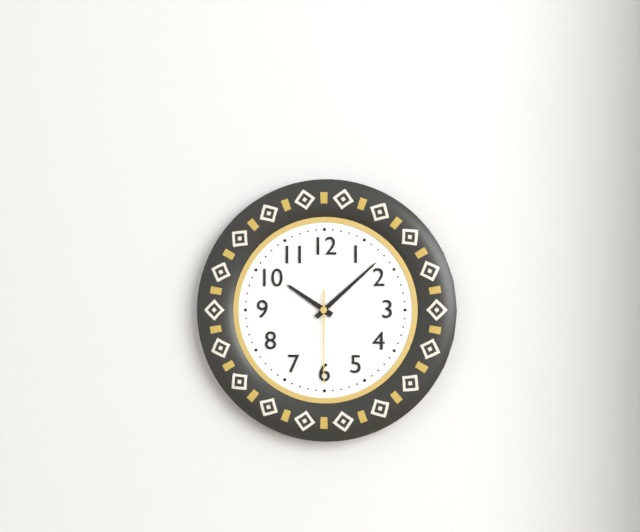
10:08:30
